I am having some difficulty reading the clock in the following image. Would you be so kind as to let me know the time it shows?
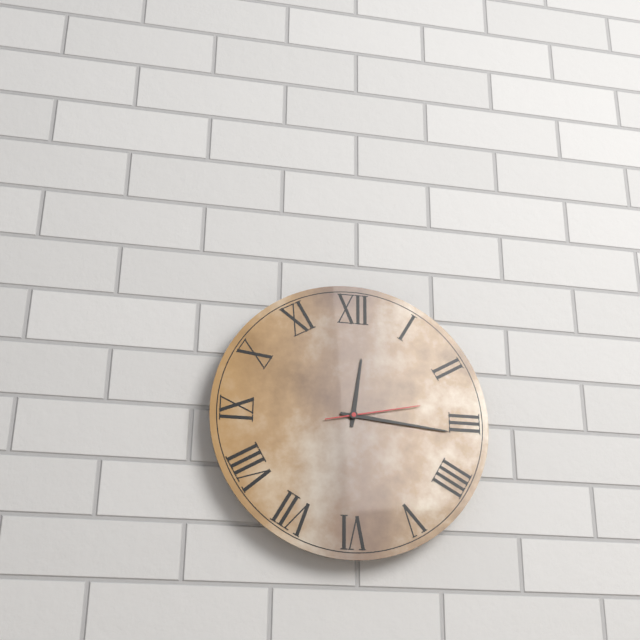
12:16:13
